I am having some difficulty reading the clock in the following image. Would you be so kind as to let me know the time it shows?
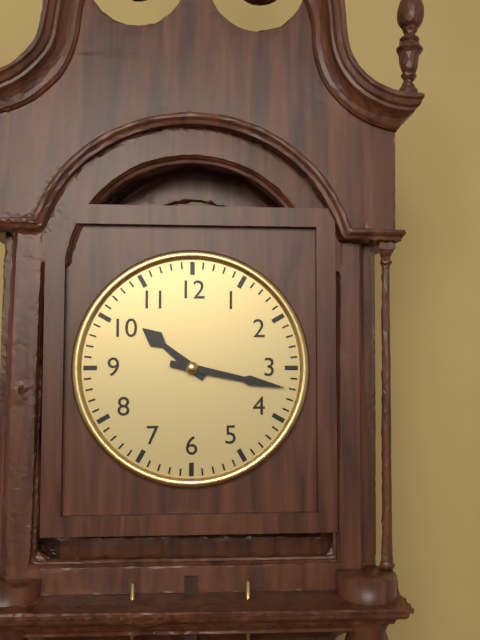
10:17
